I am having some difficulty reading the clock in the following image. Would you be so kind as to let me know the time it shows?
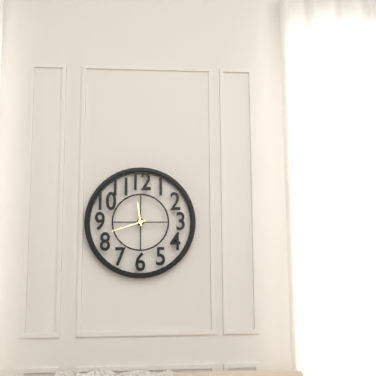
11:42
